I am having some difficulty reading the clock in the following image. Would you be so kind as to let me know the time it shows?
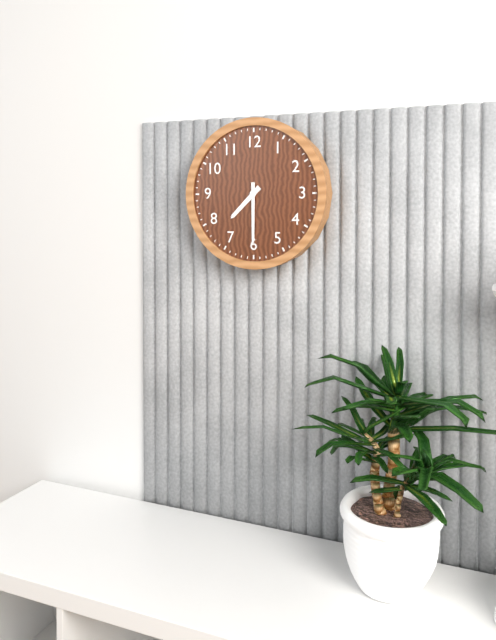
7:30
